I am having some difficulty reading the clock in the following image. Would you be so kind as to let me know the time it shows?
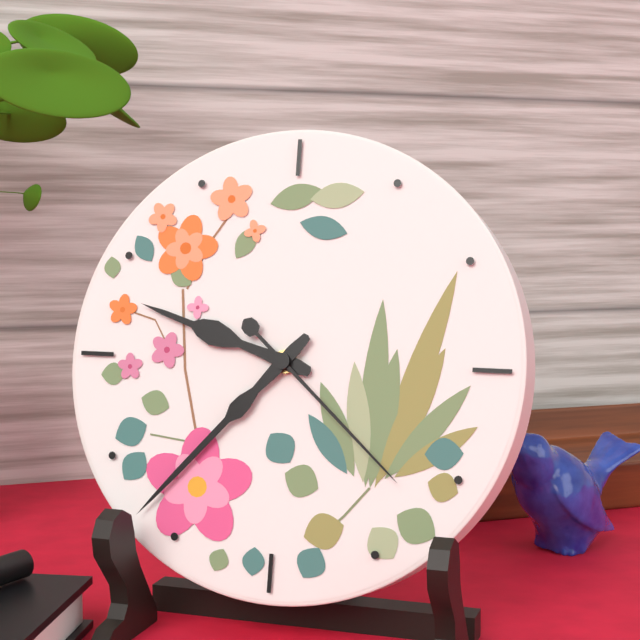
9:37:22
